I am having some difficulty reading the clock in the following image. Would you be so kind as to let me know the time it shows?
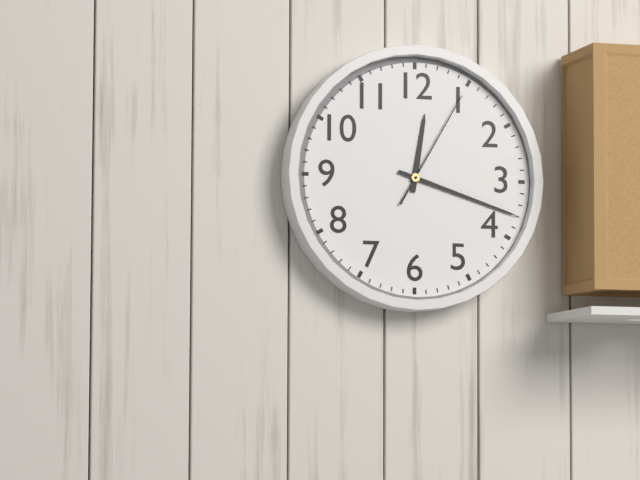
12:18:05
